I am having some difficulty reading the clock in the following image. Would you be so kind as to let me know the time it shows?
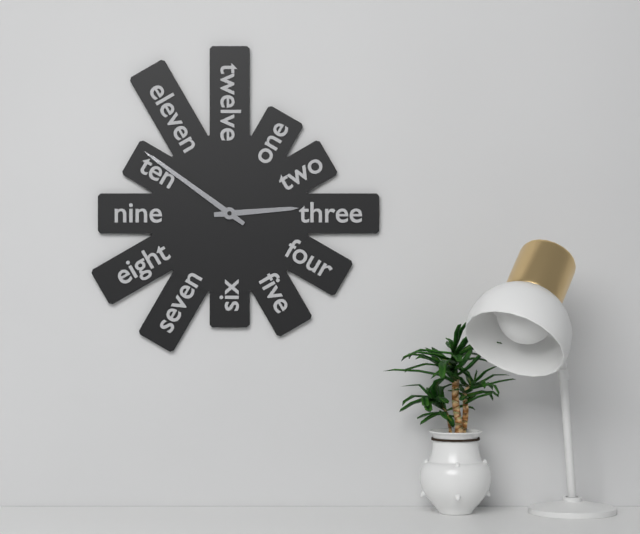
2:51
